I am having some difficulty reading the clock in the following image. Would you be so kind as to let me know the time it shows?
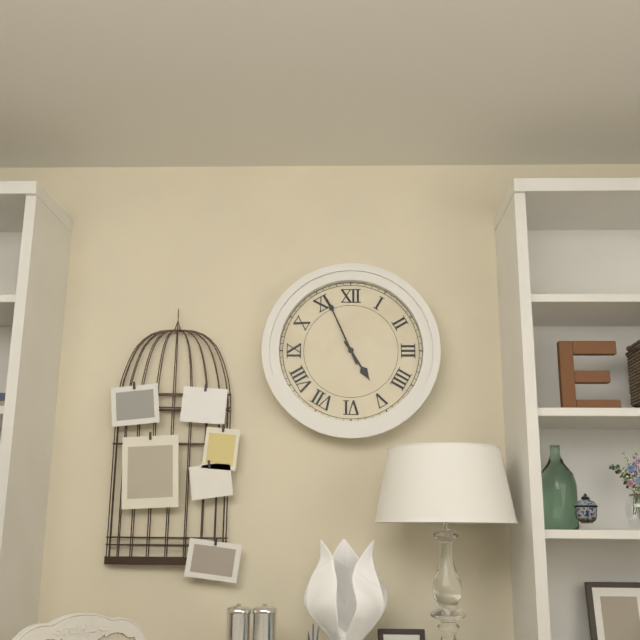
4:56
